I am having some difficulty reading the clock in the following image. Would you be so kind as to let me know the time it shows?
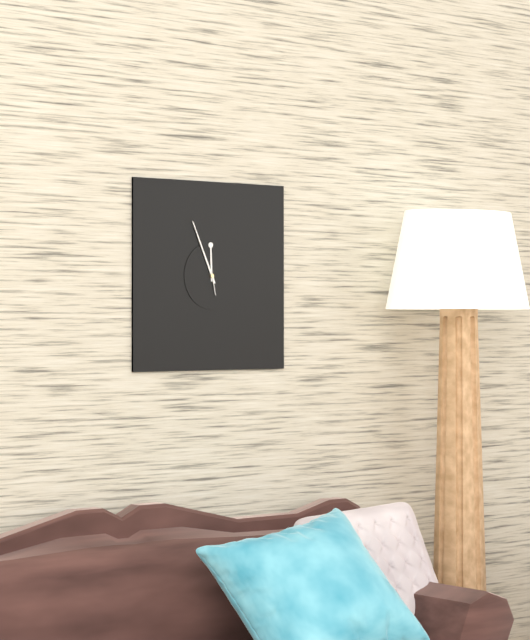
11:56
